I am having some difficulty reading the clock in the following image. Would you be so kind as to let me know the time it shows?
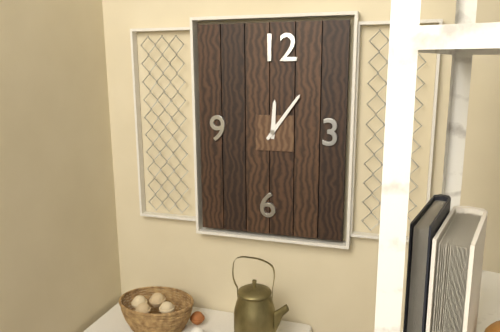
12:06
